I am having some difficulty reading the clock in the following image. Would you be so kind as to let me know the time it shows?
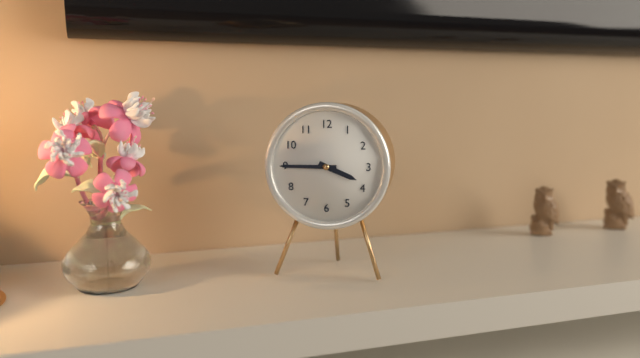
3:45
